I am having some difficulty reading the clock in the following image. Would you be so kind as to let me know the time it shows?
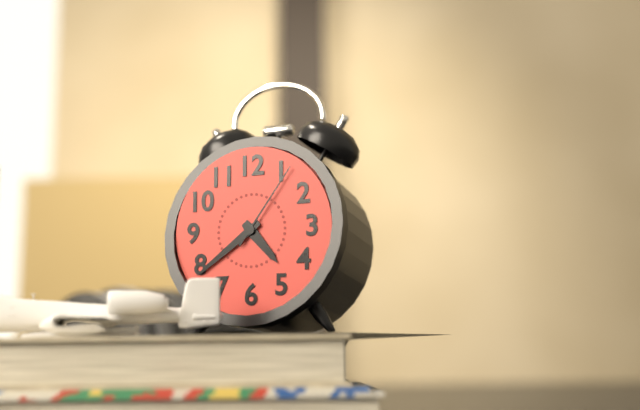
4:39:06
